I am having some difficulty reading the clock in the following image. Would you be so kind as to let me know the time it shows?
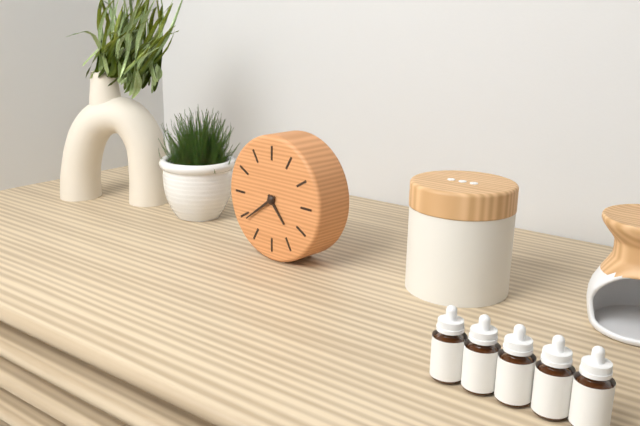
4:39
